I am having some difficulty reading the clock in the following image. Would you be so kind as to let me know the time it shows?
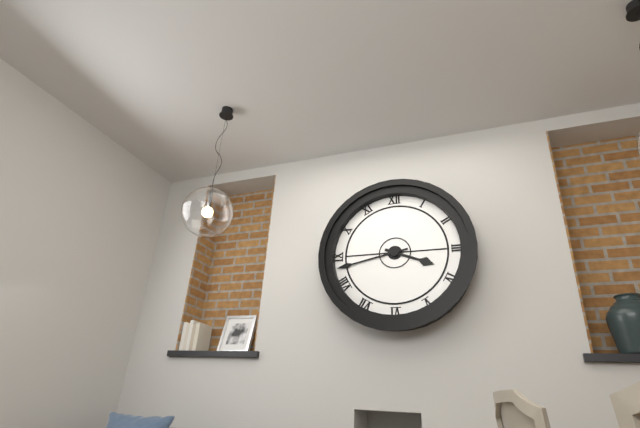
3:43
